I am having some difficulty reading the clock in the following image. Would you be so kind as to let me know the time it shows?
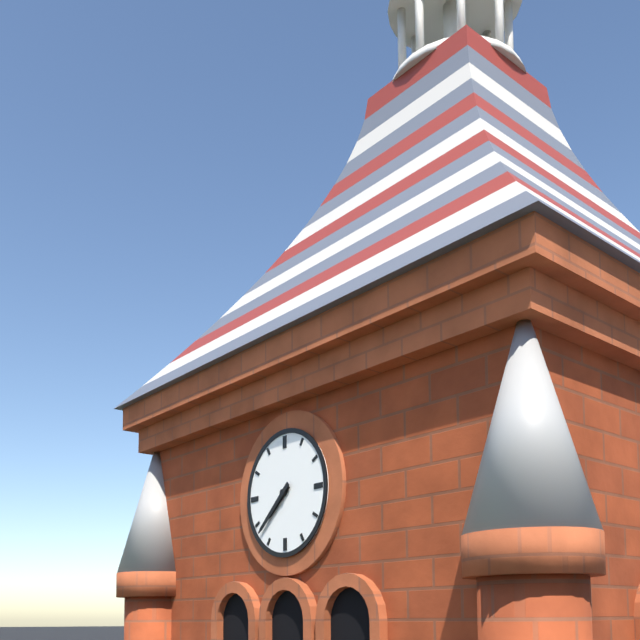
7:38
